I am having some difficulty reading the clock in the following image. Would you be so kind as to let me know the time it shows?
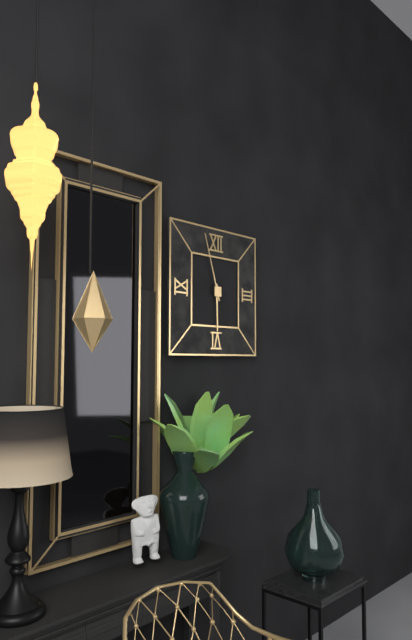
5:57
